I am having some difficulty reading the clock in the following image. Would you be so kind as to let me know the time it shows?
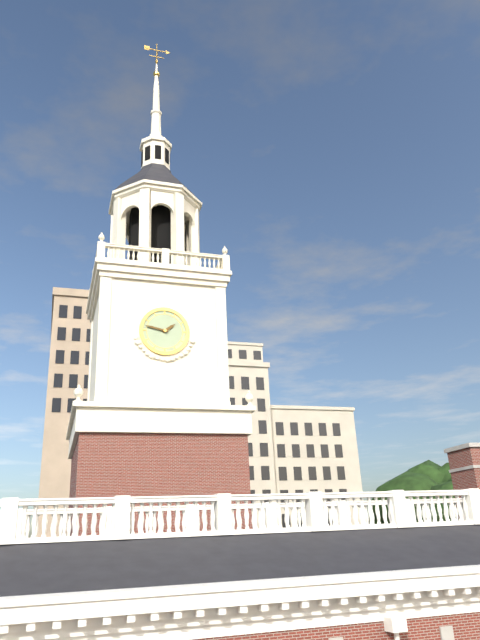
1:47
